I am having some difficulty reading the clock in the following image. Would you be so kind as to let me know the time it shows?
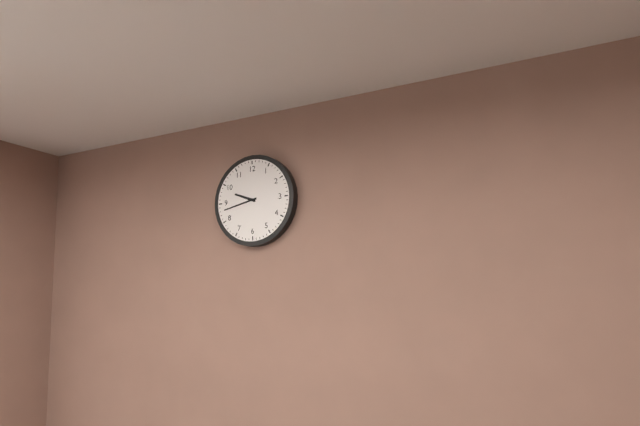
9:43
